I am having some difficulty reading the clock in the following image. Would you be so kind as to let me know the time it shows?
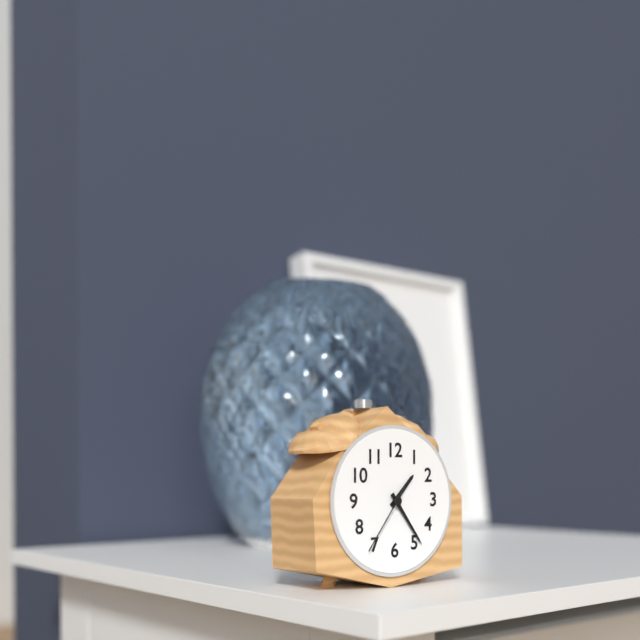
1:24:36
